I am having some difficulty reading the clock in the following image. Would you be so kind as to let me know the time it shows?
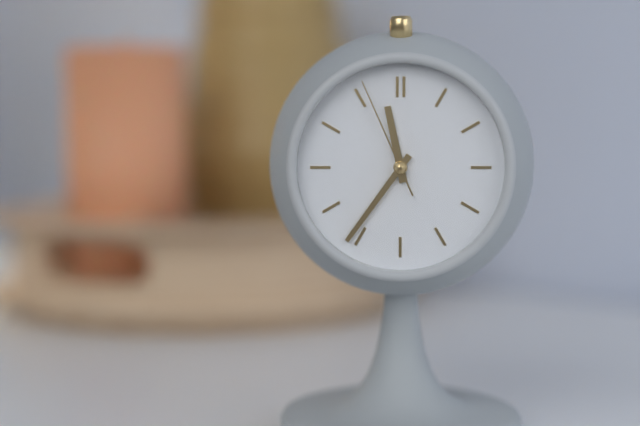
11:36:56
